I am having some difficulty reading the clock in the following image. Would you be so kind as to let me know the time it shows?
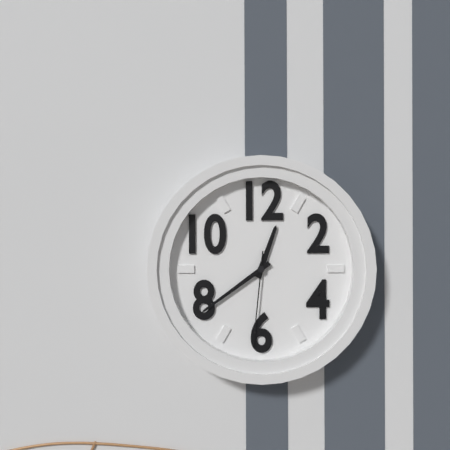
12:39:31
